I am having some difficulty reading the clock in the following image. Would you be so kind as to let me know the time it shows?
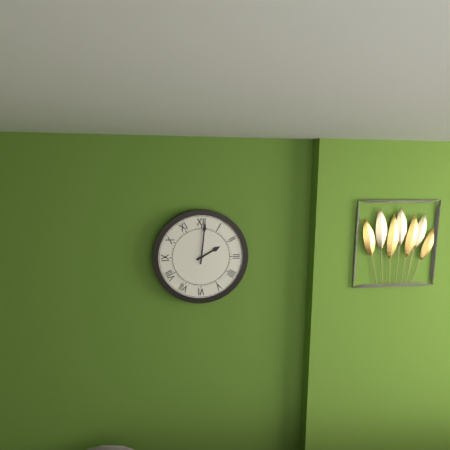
2:01
